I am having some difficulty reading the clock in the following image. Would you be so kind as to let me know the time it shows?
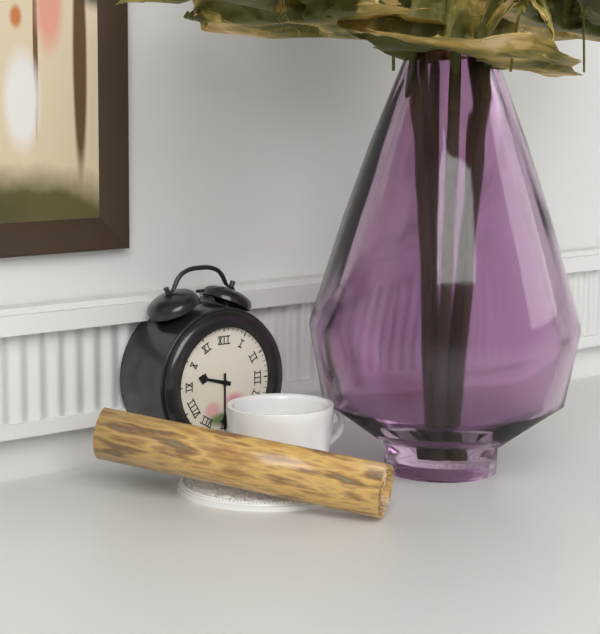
9:30
